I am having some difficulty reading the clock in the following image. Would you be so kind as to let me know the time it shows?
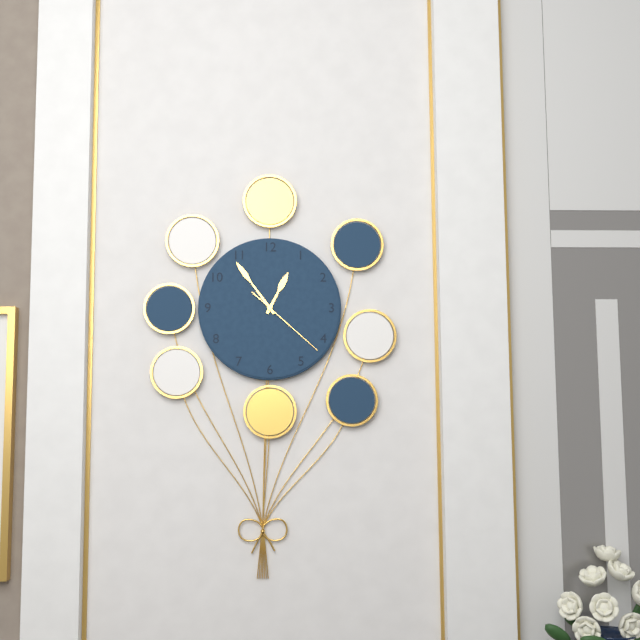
12:54:22
